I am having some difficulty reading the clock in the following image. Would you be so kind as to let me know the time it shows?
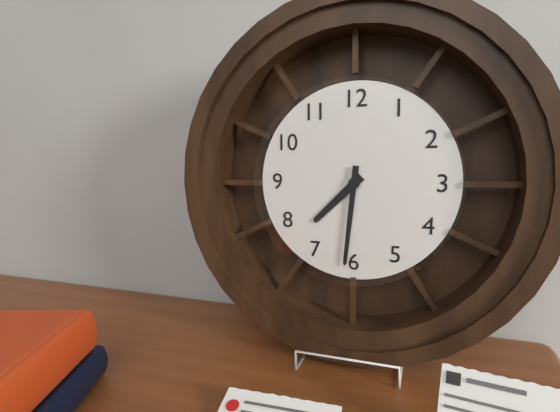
7:31
